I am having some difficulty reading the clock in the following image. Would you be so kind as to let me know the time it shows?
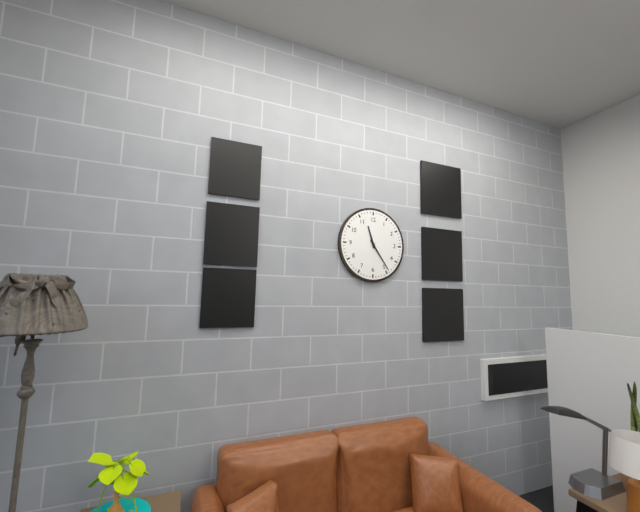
11:24
